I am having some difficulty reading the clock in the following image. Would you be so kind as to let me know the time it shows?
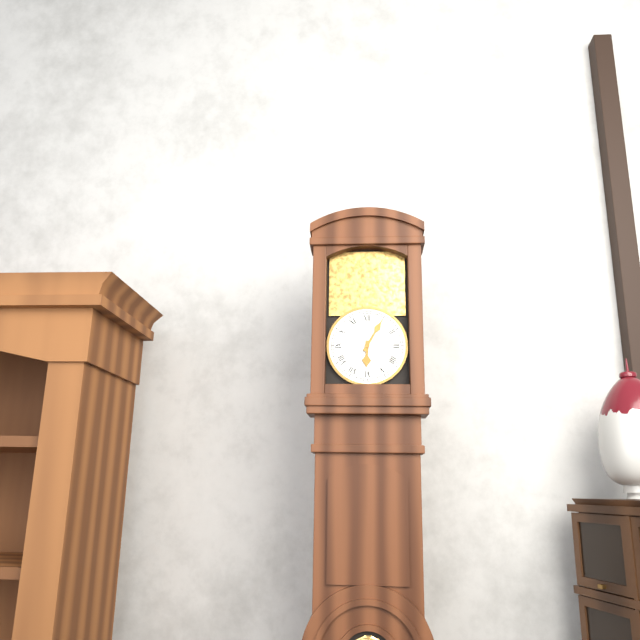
6:05
